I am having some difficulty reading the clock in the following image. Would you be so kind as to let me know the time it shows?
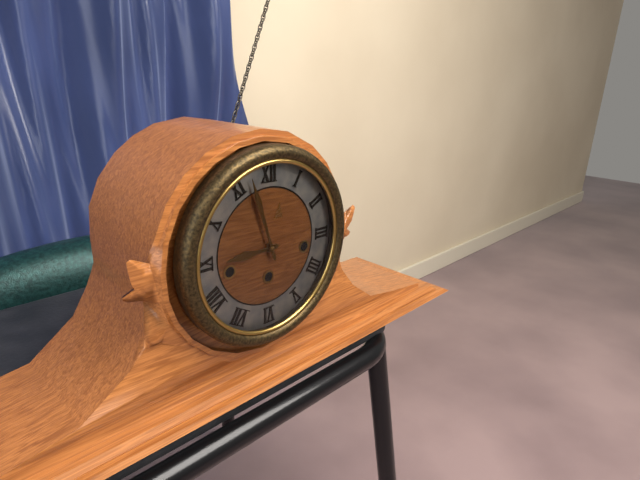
8:57
